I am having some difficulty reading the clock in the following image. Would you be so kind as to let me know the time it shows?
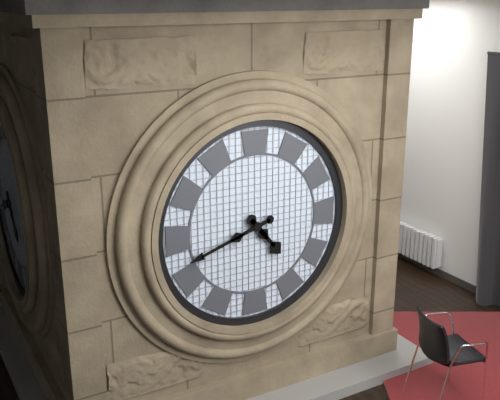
4:42
